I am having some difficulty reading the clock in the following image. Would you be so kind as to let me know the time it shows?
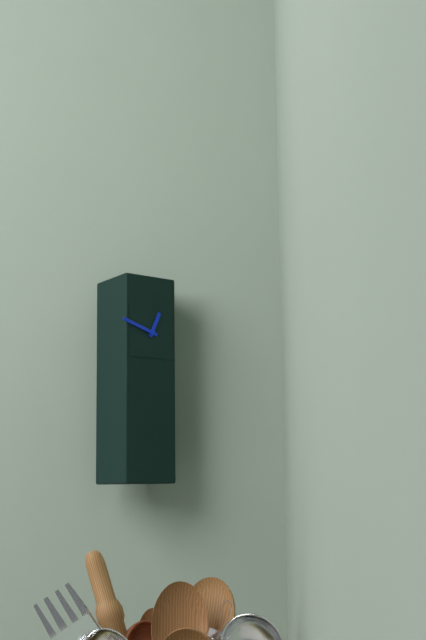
12:48
